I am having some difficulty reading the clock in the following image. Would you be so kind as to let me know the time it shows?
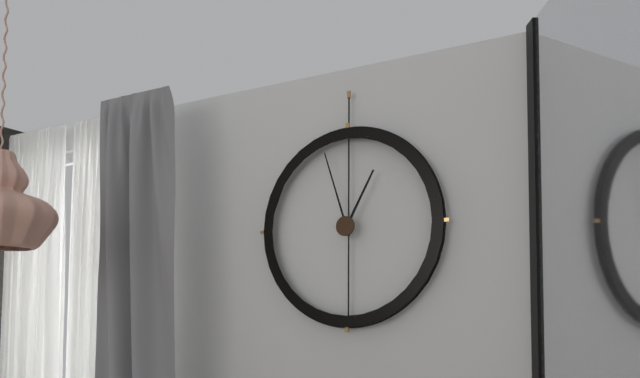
12:57
